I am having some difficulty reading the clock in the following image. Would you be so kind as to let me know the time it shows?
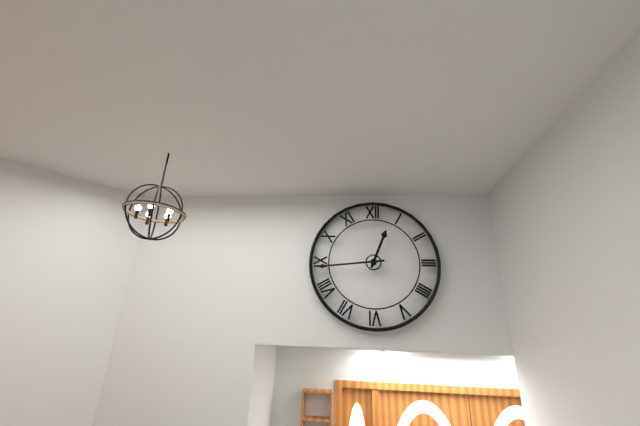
12:44
